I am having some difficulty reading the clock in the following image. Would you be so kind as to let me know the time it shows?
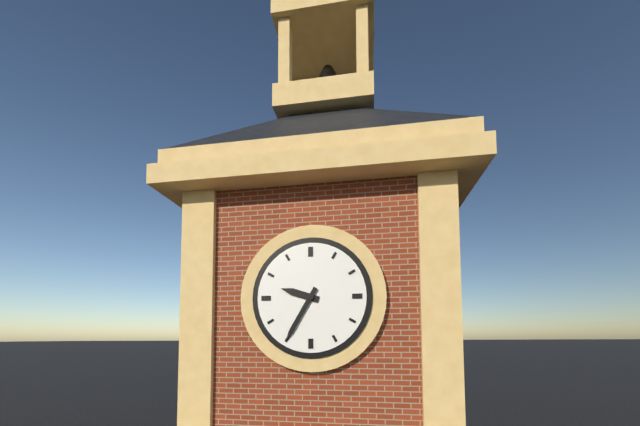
9:35
